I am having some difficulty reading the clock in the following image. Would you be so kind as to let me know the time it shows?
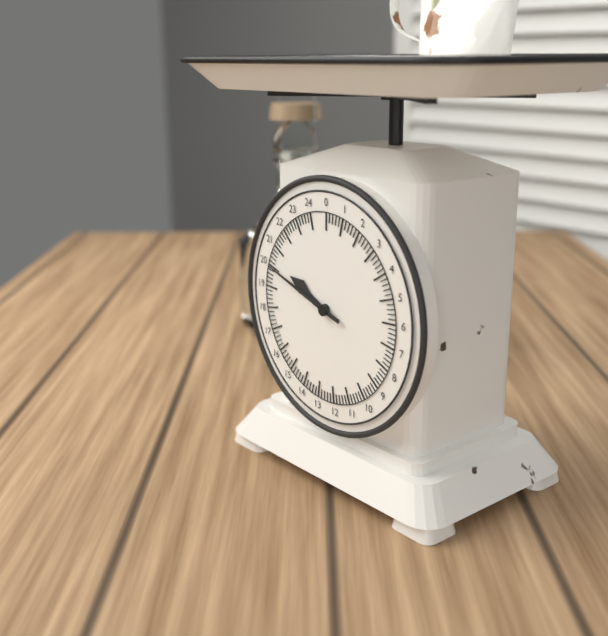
9:48
